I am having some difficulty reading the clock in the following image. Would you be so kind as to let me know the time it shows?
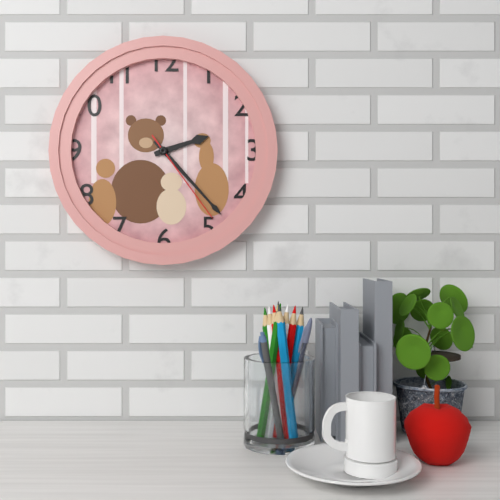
2:23:24
